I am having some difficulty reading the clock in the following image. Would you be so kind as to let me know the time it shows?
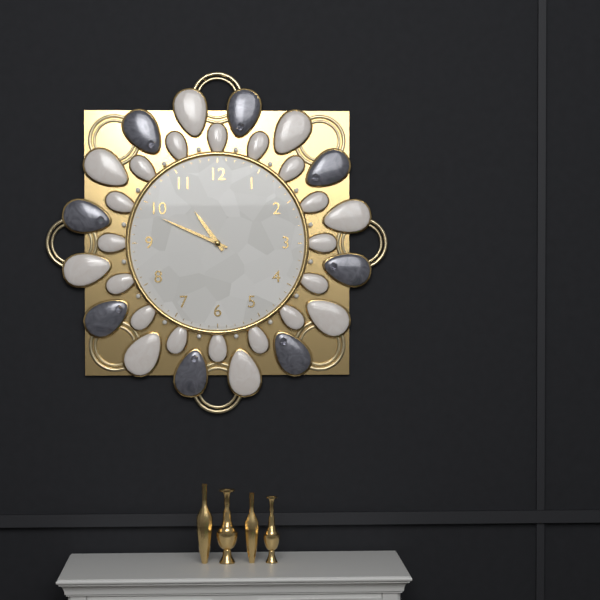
10:49
